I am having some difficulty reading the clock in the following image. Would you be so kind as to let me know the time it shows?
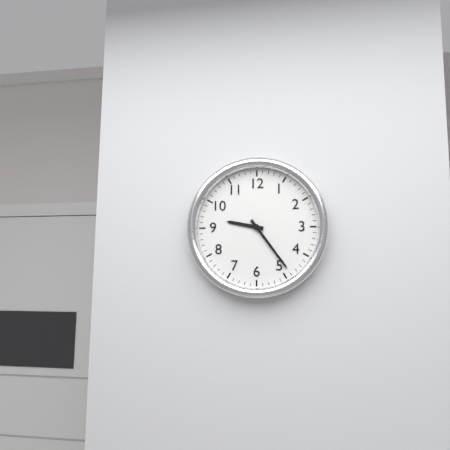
9:24
